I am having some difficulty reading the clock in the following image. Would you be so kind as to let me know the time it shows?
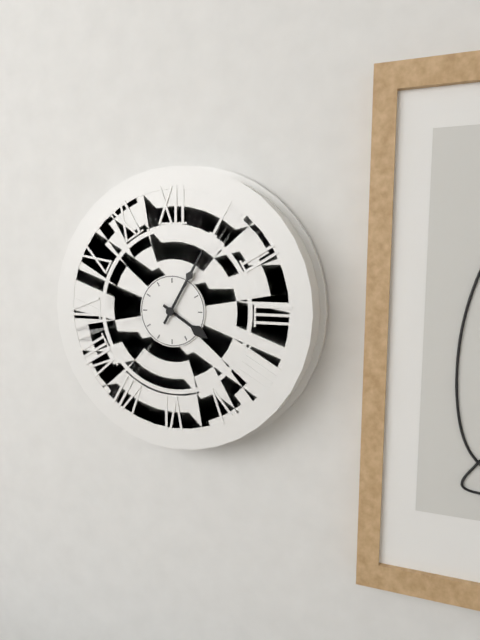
4:05
